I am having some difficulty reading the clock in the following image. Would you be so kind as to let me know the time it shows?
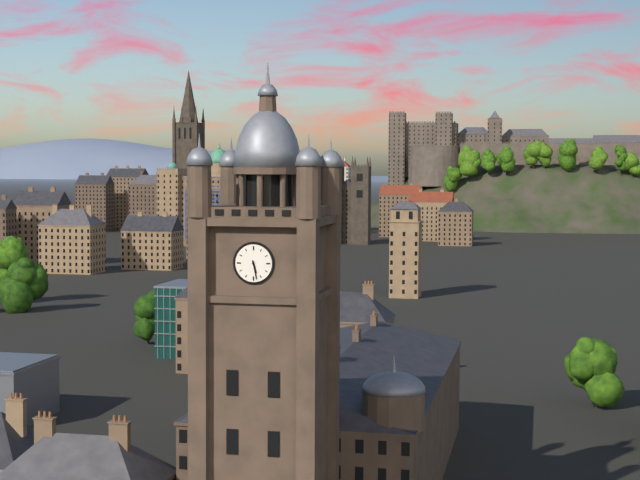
5:28
